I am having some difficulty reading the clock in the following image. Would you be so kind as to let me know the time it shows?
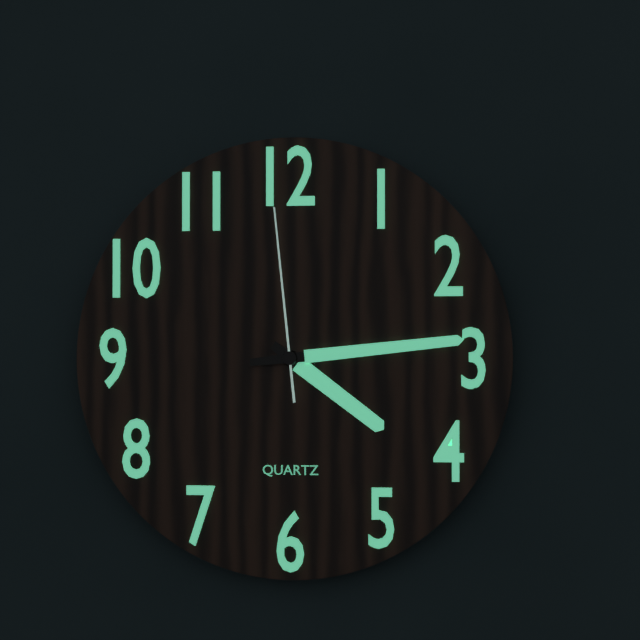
4:14:59
